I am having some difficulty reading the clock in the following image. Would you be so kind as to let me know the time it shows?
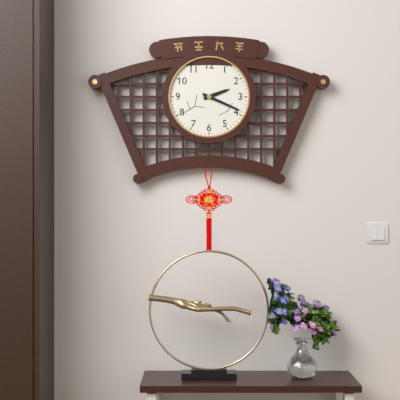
2:19
